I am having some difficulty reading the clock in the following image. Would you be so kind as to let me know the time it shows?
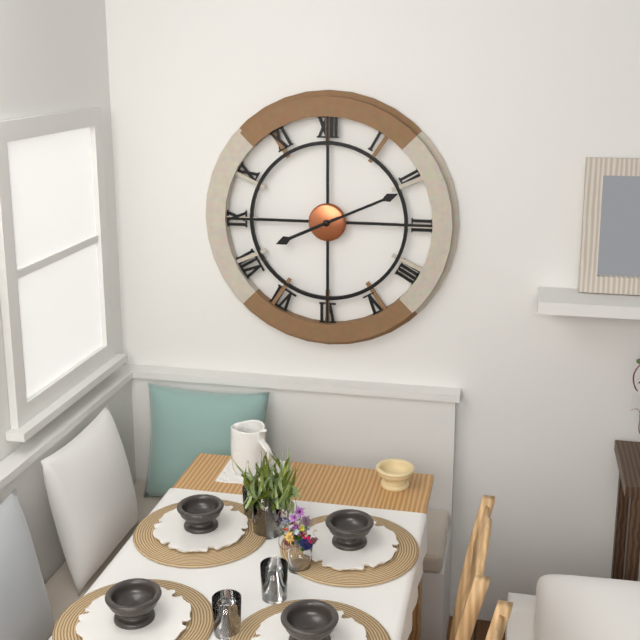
8:11
